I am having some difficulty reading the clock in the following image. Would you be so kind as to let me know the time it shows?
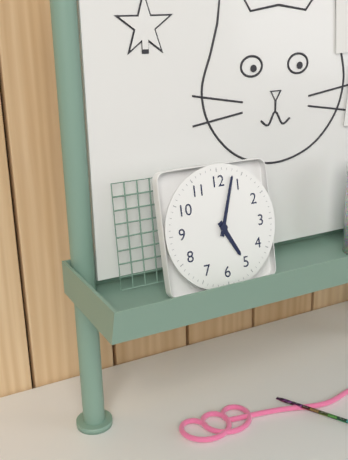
5:03
